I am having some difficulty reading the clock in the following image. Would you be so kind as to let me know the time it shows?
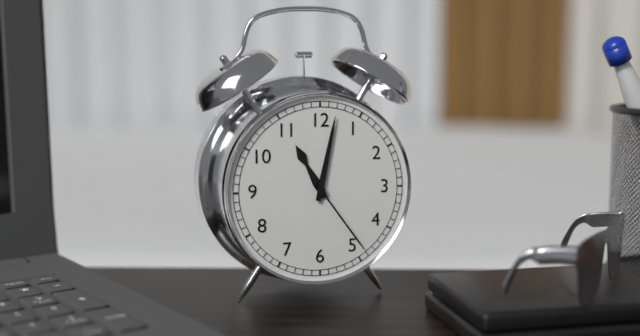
11:02:24
